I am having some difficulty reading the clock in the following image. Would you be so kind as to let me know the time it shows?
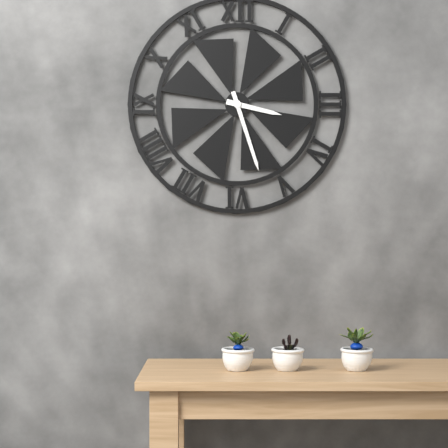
3:27
